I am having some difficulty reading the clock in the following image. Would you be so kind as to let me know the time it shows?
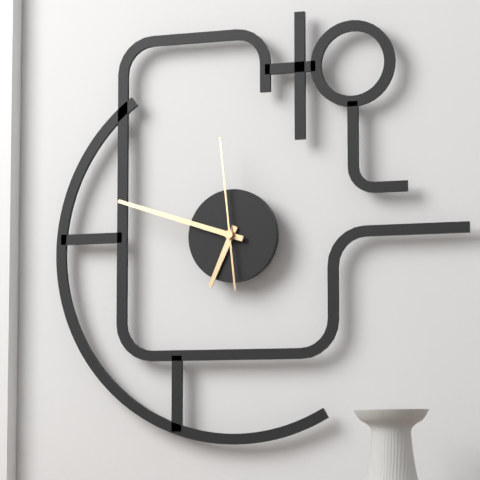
6:48:59
